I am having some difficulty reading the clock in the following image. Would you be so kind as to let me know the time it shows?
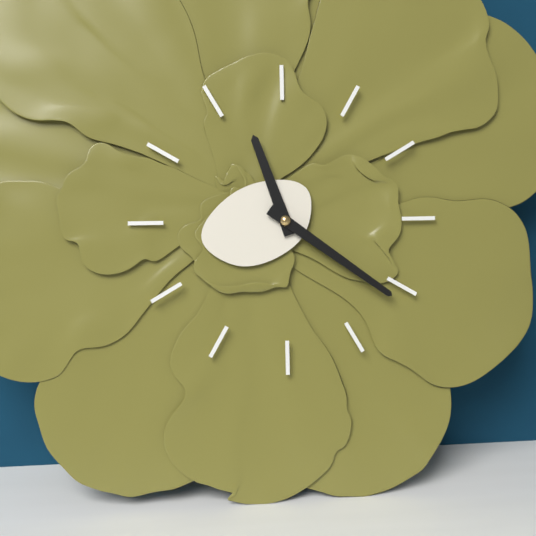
11:21
